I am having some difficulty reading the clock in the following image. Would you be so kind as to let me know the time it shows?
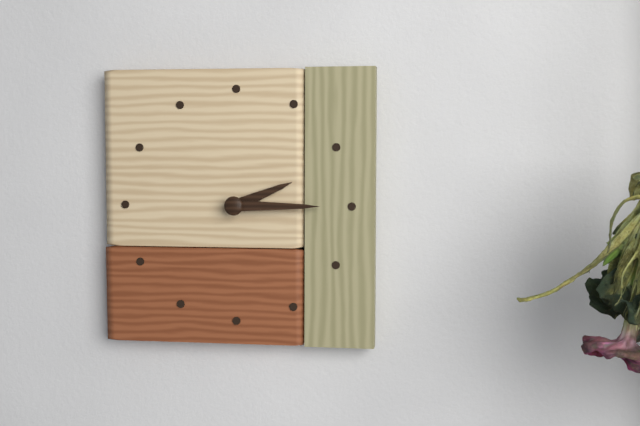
2:15
